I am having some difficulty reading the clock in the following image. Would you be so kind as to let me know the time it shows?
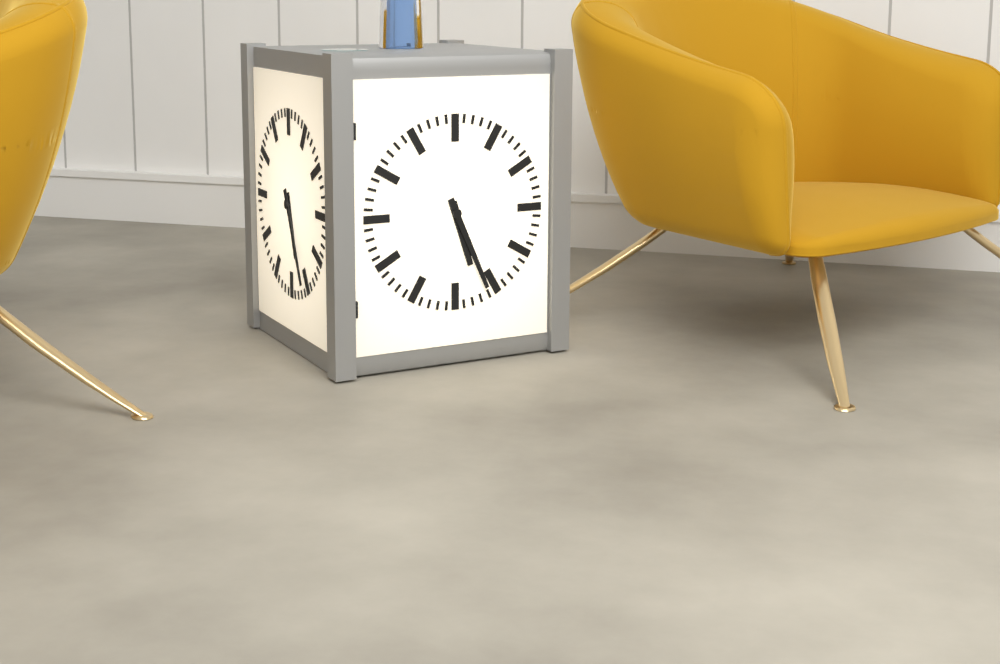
5:26
